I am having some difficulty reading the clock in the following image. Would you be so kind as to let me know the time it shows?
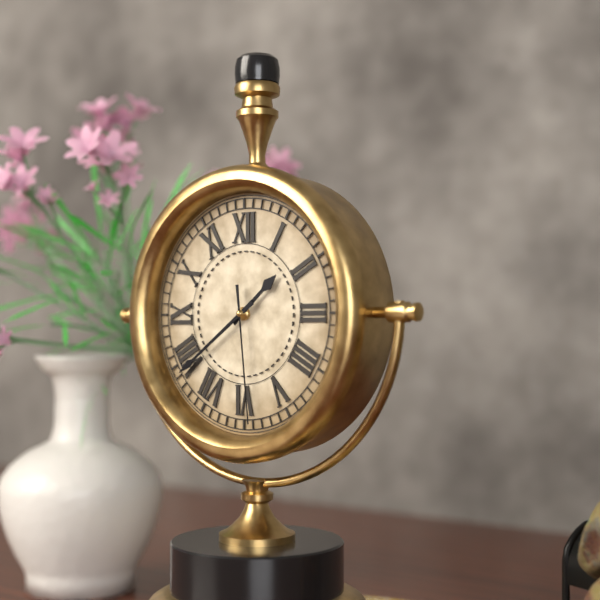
1:39:29
